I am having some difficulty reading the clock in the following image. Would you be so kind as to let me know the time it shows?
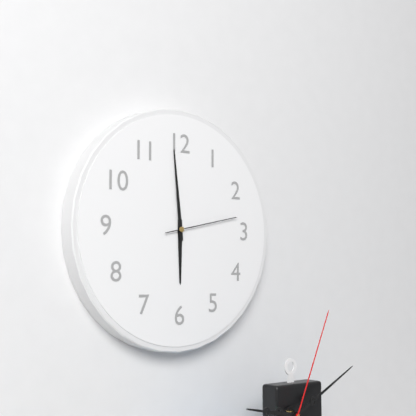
5:59:13
